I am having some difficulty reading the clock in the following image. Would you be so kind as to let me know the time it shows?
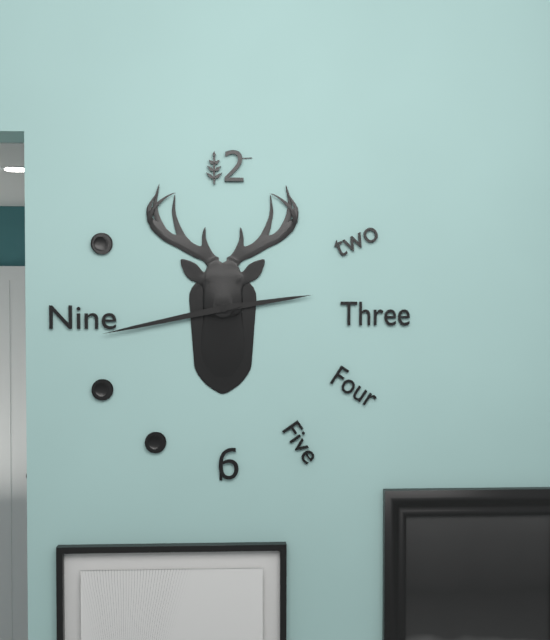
2:43
